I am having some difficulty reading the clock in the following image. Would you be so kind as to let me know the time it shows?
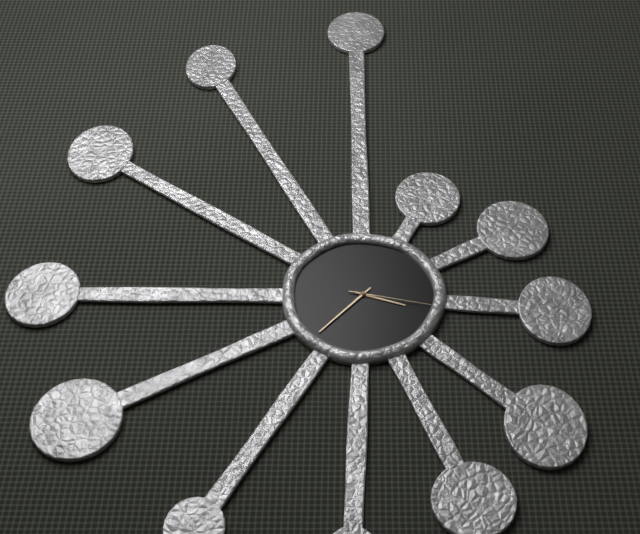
3:37:17
